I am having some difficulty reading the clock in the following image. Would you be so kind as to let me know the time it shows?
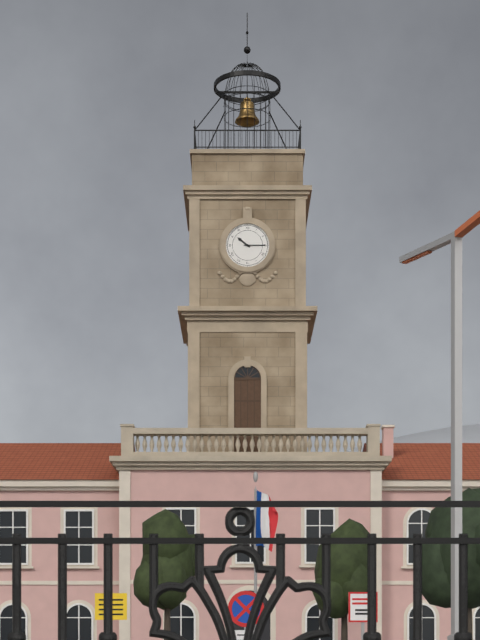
10:15
